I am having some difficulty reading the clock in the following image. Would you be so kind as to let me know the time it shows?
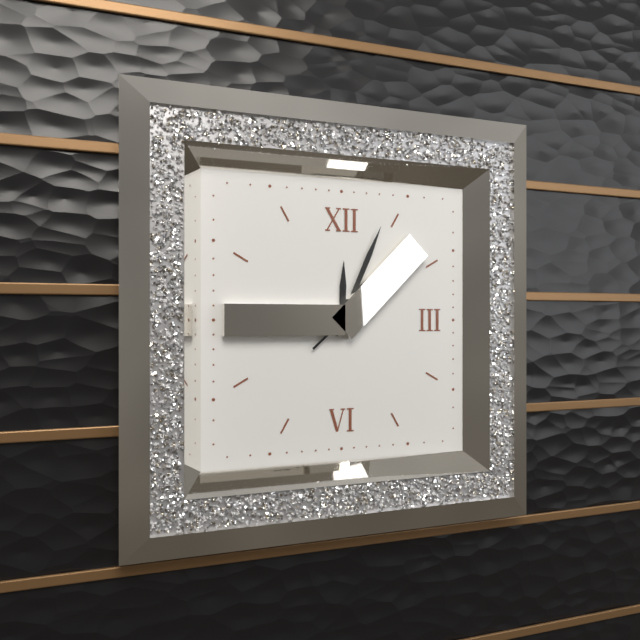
12:04
